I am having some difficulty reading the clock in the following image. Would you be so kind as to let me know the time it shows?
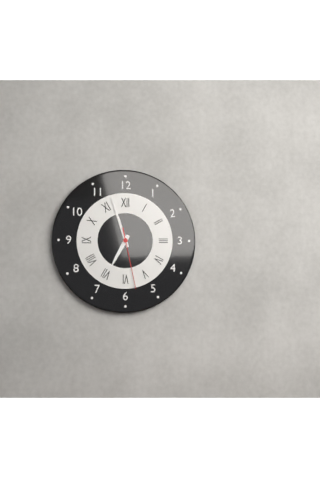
6:57:28
